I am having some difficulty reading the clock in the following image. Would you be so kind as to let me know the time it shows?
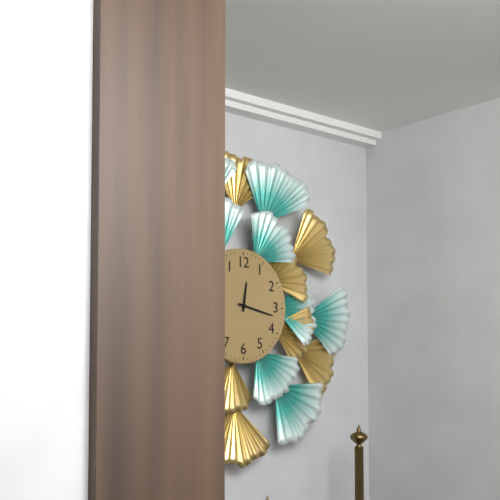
12:17
